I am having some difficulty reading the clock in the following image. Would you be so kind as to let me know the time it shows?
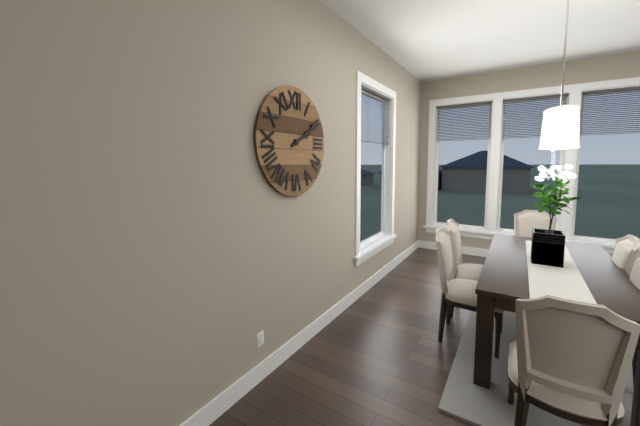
2:10
